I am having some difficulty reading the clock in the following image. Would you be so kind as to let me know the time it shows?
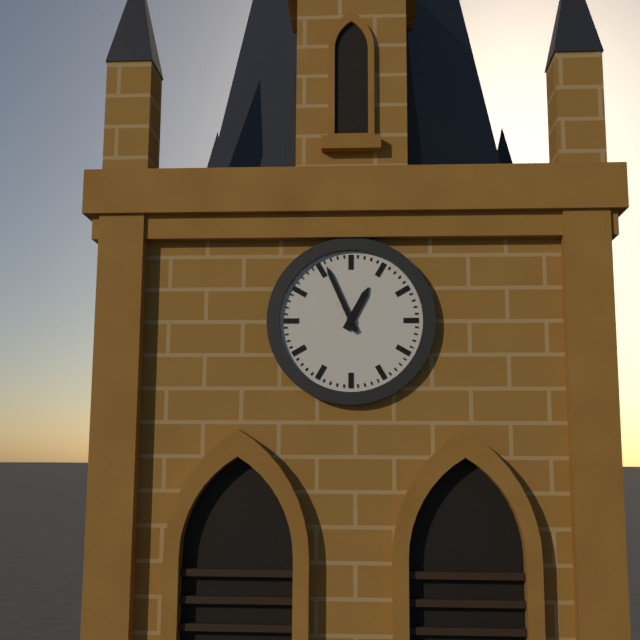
12:56
